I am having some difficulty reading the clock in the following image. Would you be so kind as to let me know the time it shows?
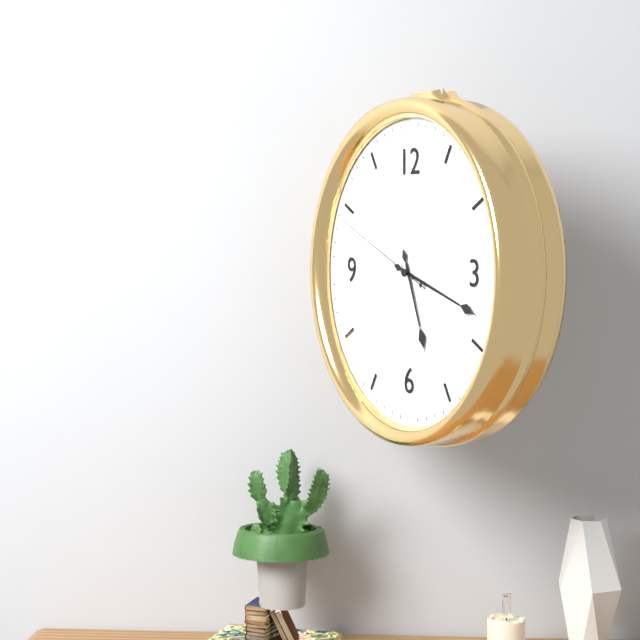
5:18:49
